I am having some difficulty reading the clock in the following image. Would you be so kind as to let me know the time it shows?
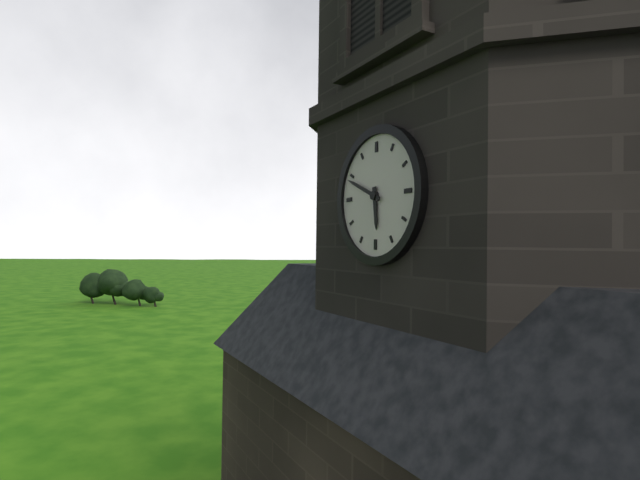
5:49
